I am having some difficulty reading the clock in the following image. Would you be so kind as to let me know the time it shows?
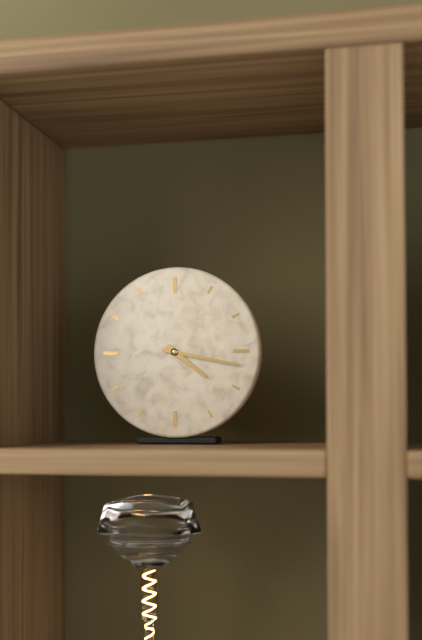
4:17
